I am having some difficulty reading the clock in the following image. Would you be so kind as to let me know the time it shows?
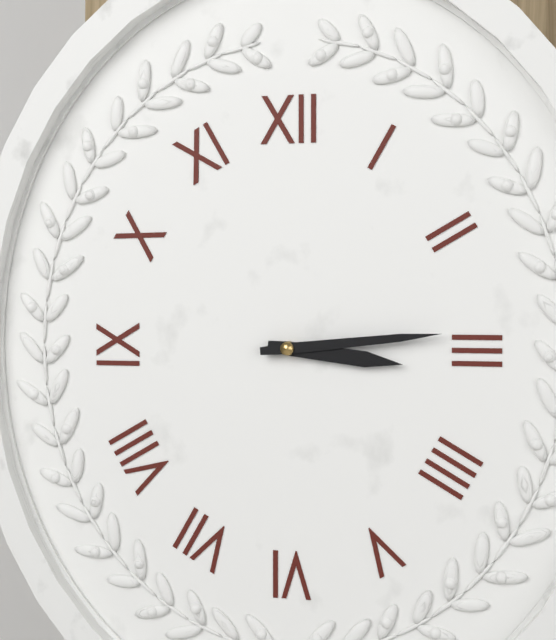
3:14
